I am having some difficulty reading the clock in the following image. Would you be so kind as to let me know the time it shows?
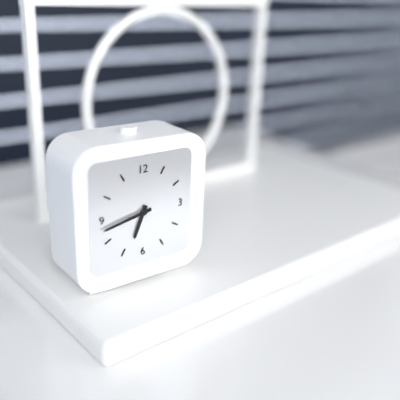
6:43
